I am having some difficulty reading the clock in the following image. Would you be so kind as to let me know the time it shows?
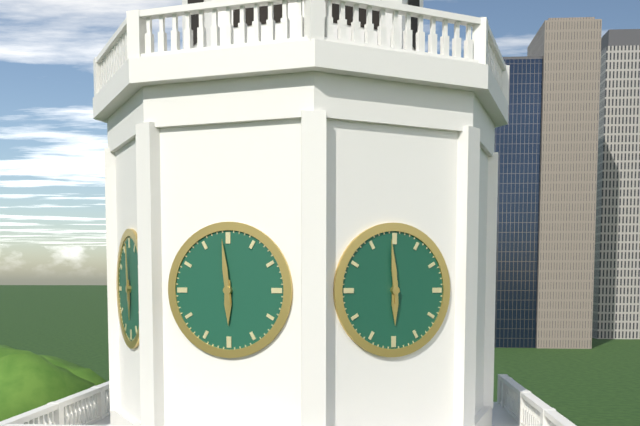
5:59
